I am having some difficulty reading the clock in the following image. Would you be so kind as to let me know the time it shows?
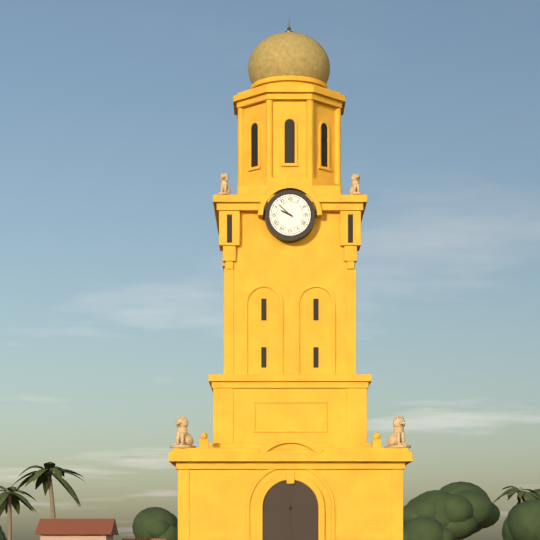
9:52
